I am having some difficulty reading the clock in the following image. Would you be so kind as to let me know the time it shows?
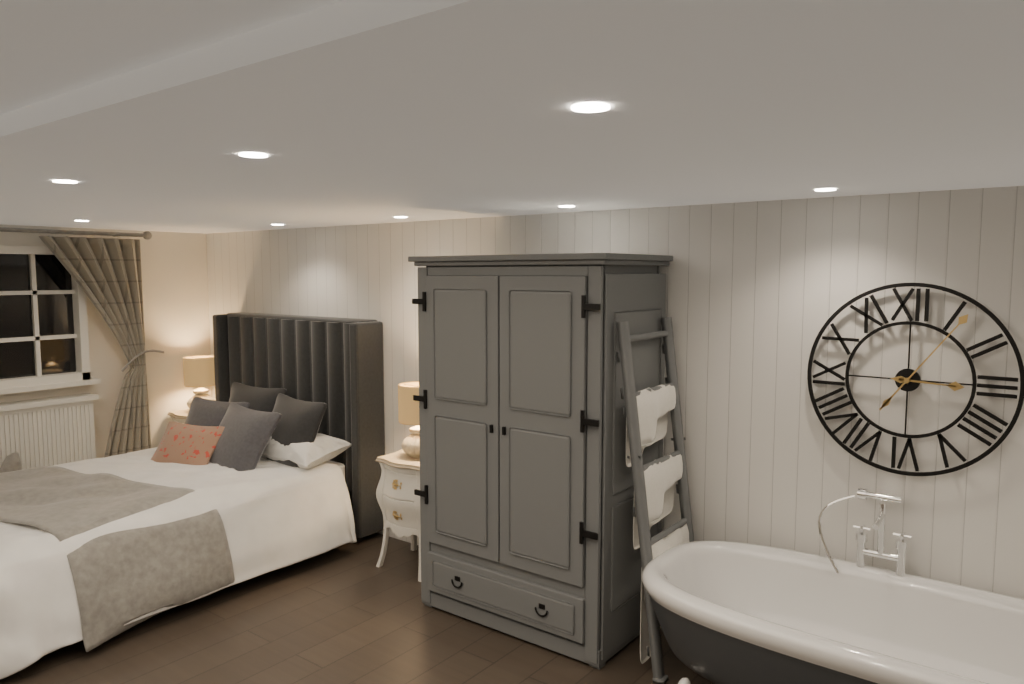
3:06
